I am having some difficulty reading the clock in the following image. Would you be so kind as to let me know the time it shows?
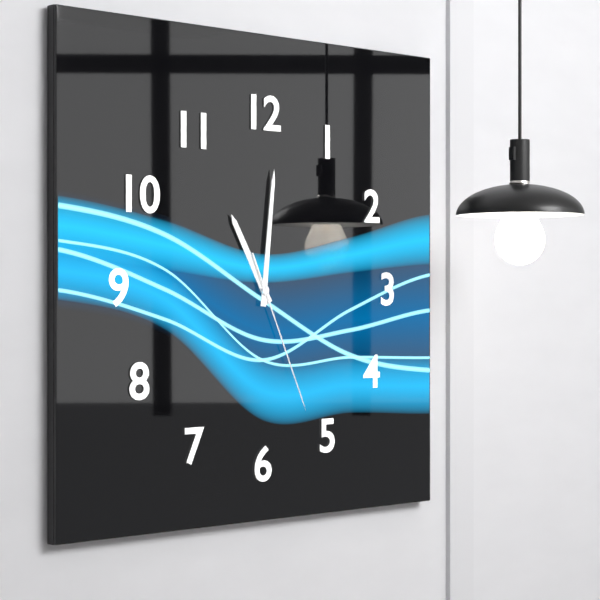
11:01:26
